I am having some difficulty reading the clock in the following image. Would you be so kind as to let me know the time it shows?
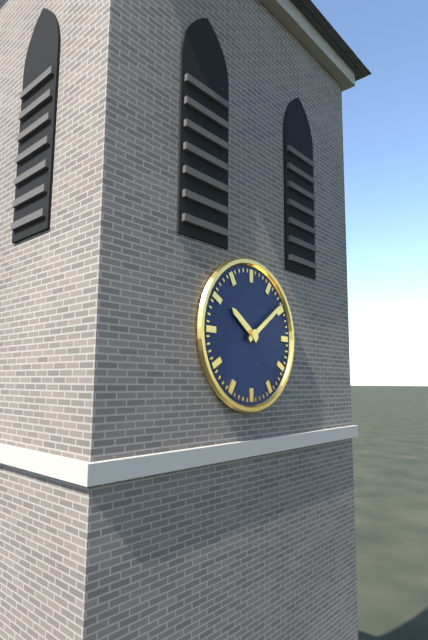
10:09
